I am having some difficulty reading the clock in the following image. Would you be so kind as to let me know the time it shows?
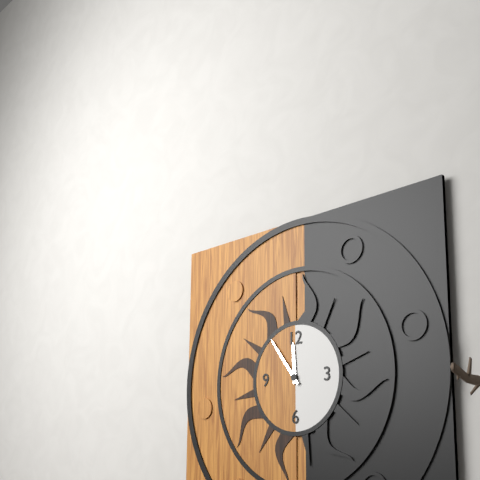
11:54
